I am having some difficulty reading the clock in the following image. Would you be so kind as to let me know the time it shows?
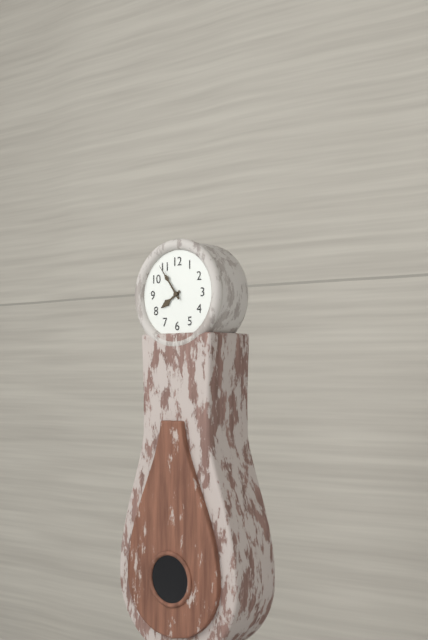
7:54
